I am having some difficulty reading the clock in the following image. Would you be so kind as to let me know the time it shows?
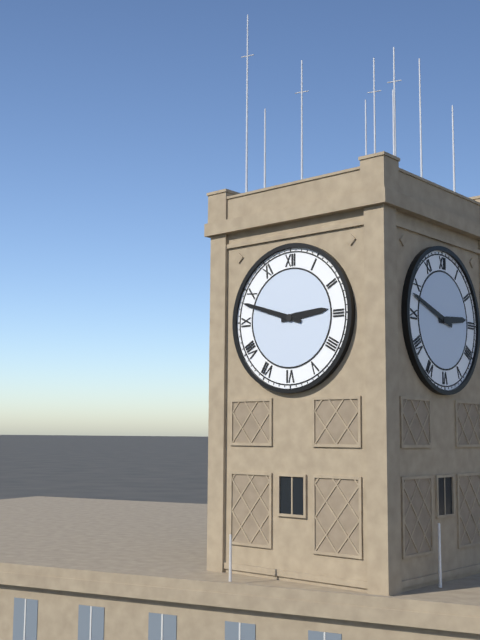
2:48
